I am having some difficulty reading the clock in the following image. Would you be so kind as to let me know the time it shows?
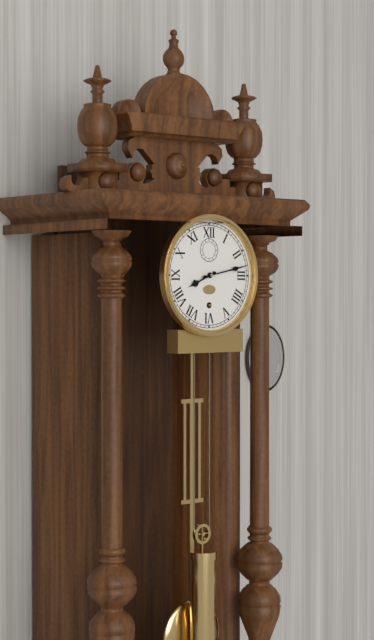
8:13
